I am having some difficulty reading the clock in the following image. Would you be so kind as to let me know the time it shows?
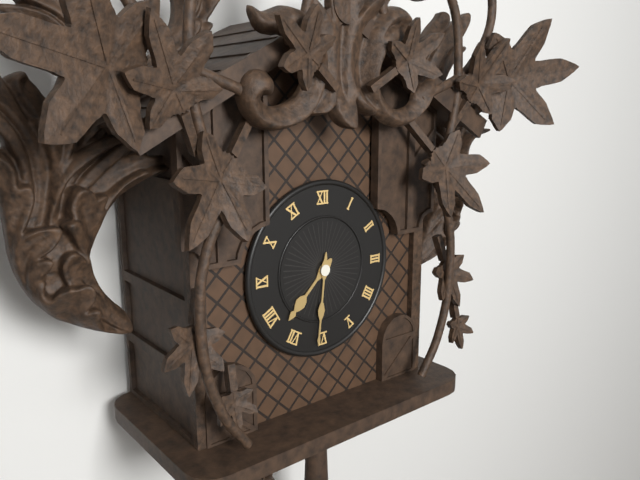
7:31
